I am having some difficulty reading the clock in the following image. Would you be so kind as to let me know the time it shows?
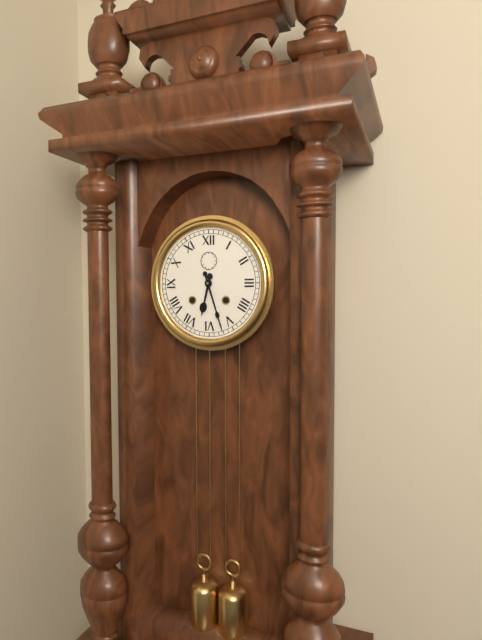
6:27
